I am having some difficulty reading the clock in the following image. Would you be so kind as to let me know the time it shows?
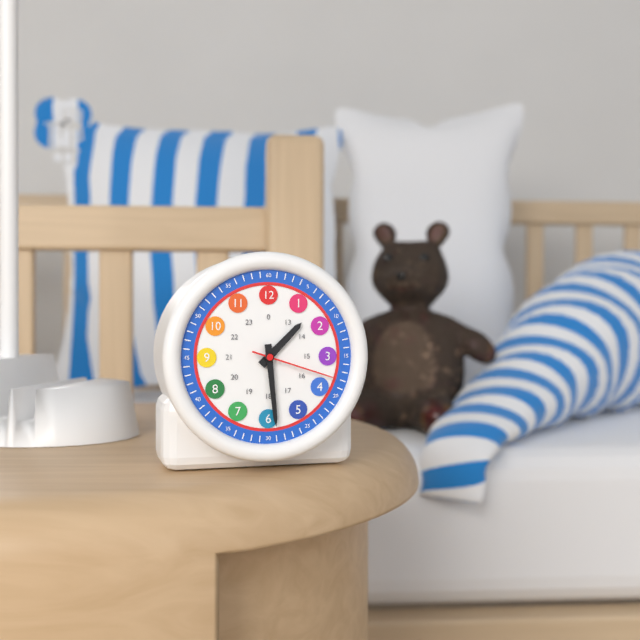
1:29:18
